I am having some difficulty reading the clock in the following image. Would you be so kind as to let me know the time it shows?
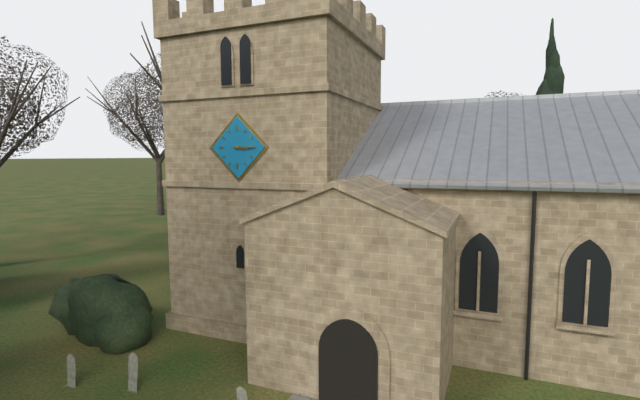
3:15
